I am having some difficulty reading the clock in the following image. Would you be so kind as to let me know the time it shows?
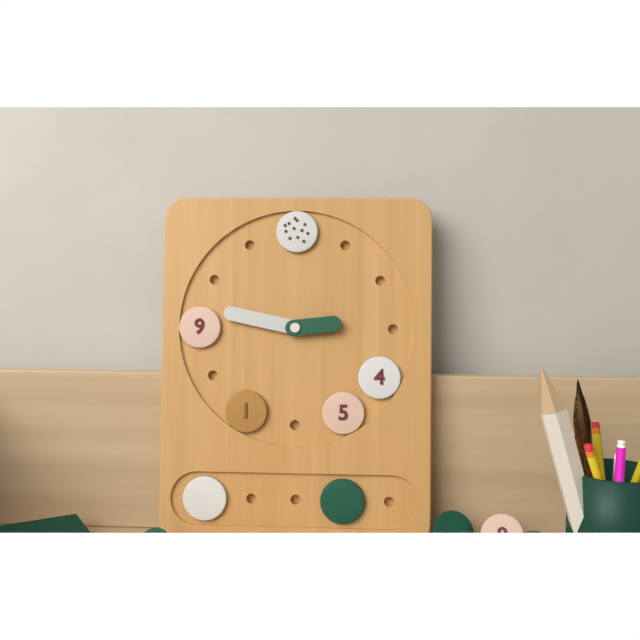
2:47
